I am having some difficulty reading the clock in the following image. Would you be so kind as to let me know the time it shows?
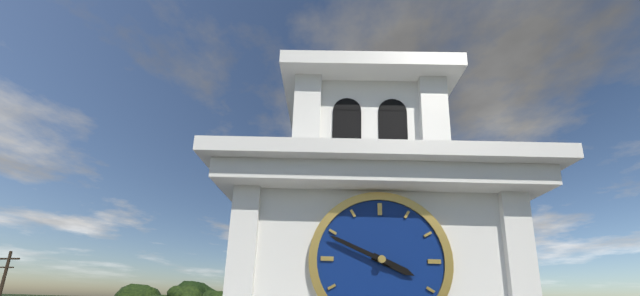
3:49
